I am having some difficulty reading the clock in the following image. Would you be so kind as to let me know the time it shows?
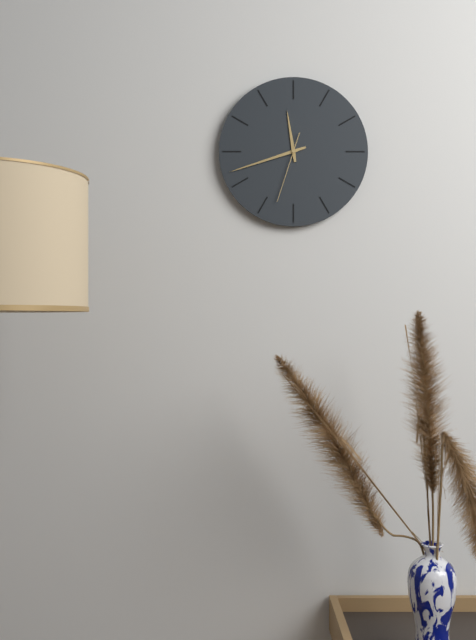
11:42:33
